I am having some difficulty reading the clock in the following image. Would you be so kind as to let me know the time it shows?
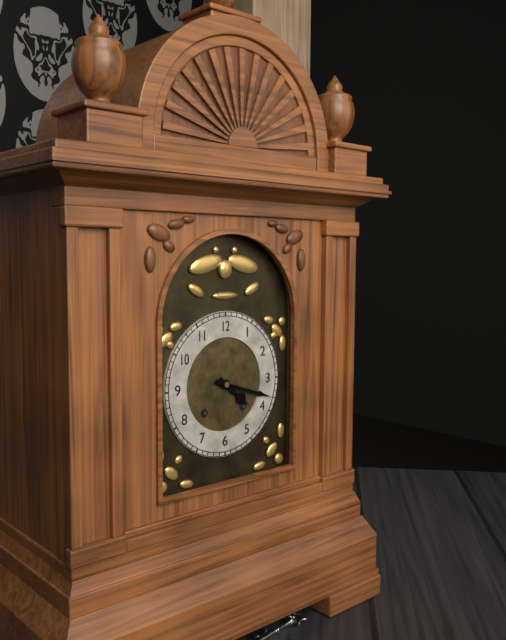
4:18
